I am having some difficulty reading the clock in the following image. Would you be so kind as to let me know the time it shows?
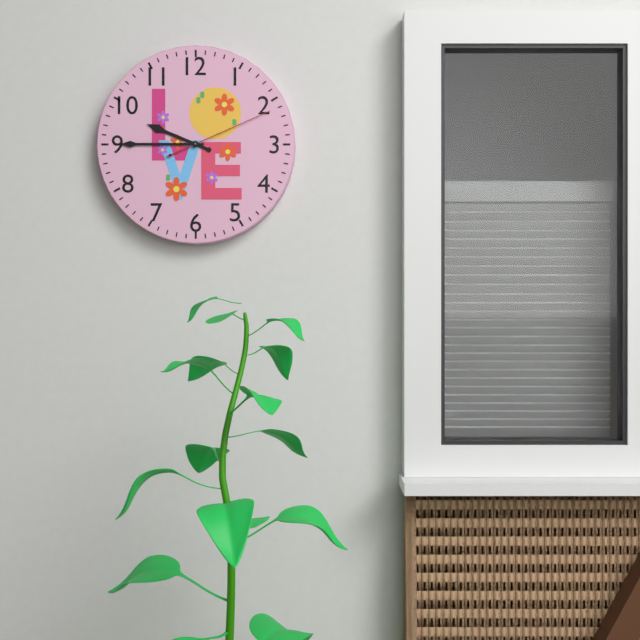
9:45:11
